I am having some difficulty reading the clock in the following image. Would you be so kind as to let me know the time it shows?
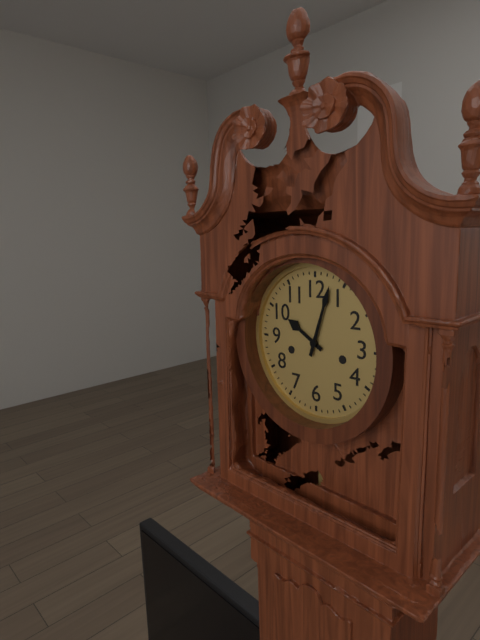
10:03
